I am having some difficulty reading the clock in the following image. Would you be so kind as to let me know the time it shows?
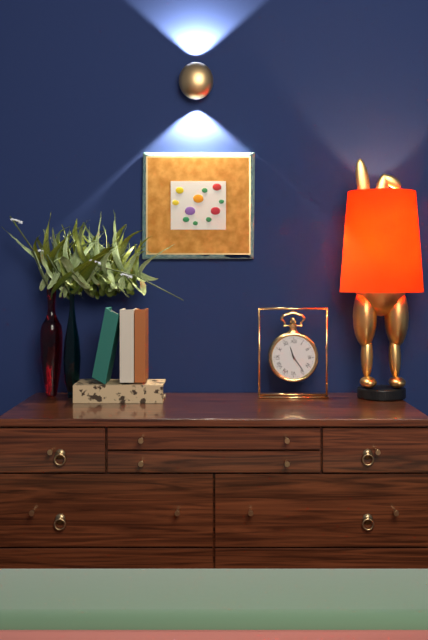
11:24
